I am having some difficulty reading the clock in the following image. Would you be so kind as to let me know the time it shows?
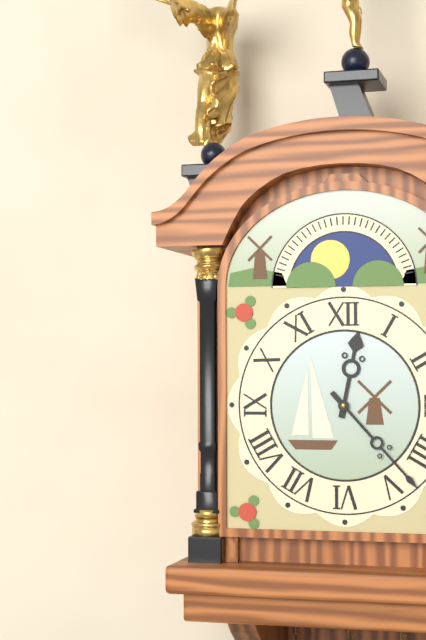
12:23
